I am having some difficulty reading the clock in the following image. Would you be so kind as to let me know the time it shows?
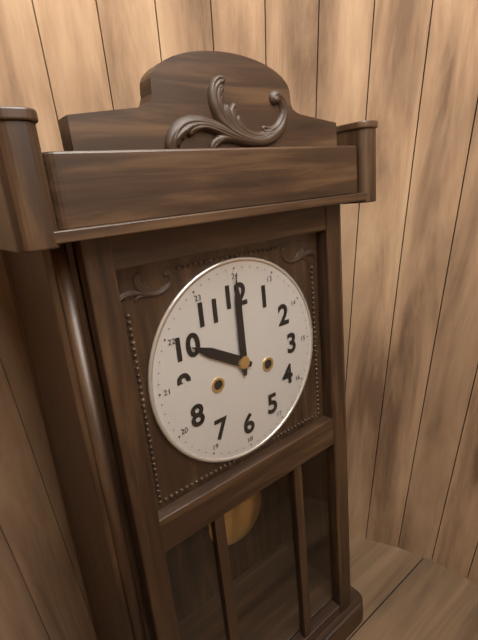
10:00
